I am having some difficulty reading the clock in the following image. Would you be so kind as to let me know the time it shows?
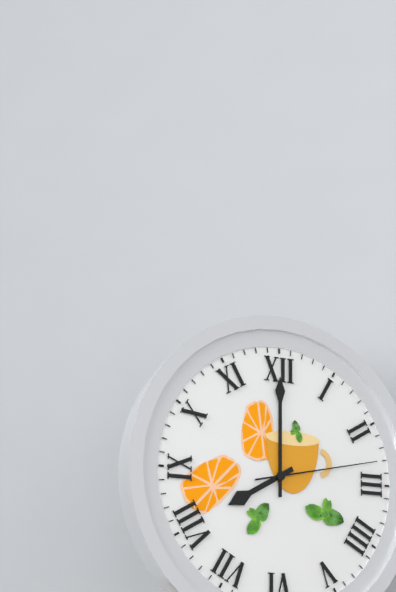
8:00:13
